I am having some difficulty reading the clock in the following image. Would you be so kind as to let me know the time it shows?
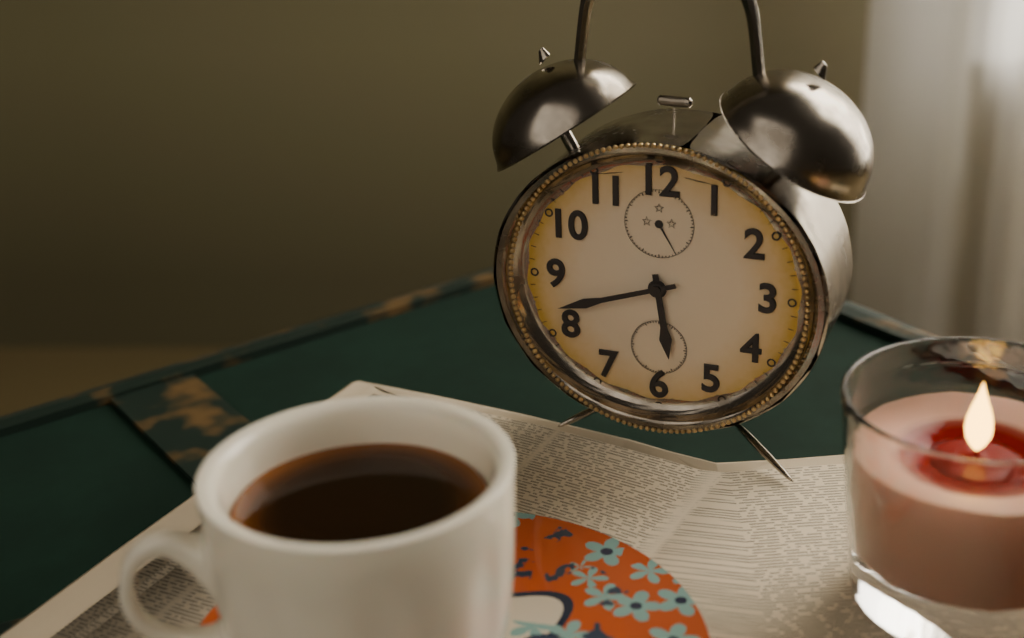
5:42
